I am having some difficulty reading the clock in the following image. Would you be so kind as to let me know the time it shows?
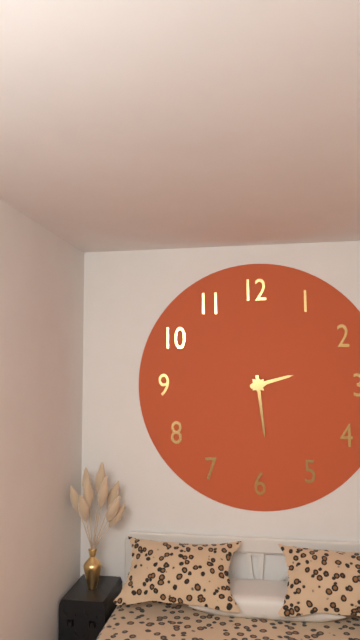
2:29
